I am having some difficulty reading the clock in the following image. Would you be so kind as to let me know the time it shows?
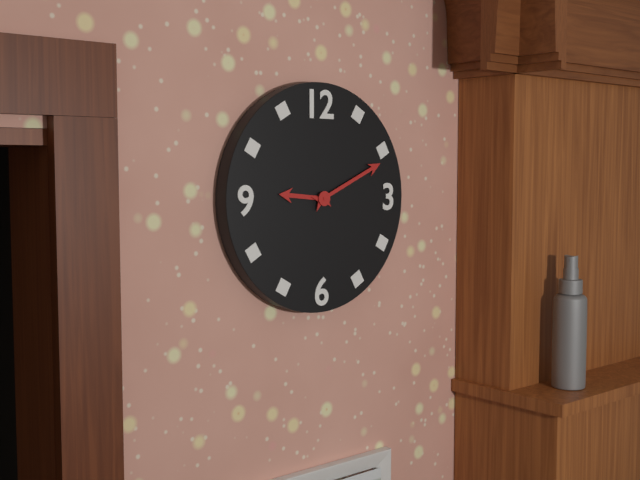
9:11
